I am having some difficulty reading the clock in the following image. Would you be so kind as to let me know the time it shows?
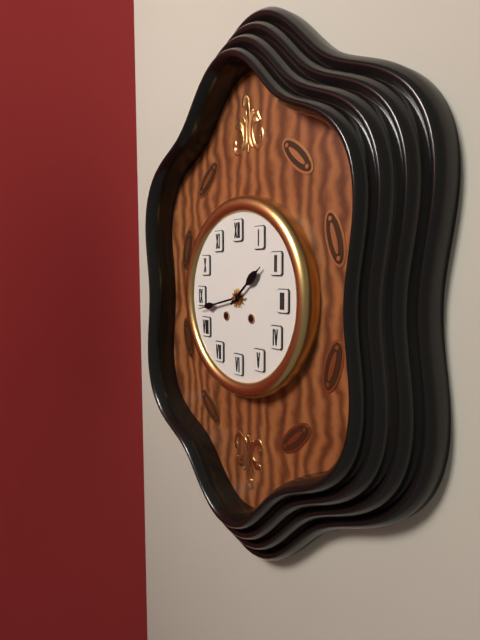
1:43
